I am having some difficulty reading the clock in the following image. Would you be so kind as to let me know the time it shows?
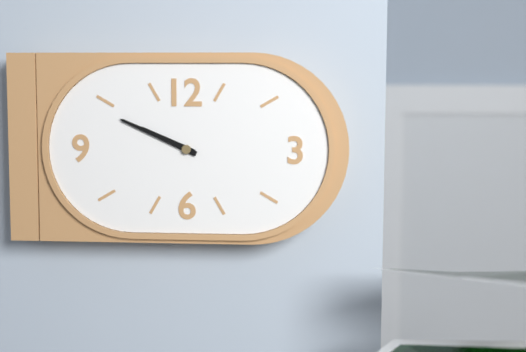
9:49
